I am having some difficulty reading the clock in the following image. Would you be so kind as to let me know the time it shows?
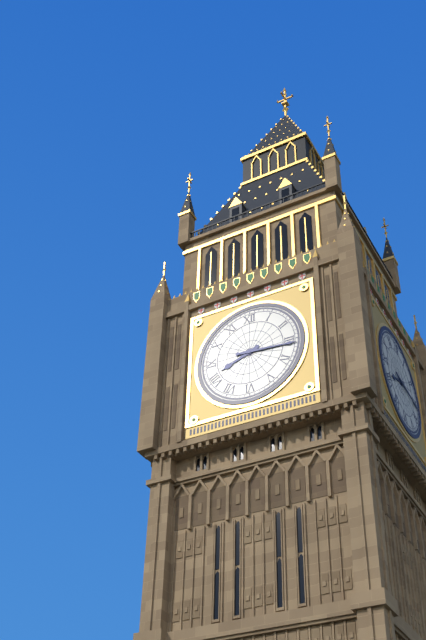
8:16
